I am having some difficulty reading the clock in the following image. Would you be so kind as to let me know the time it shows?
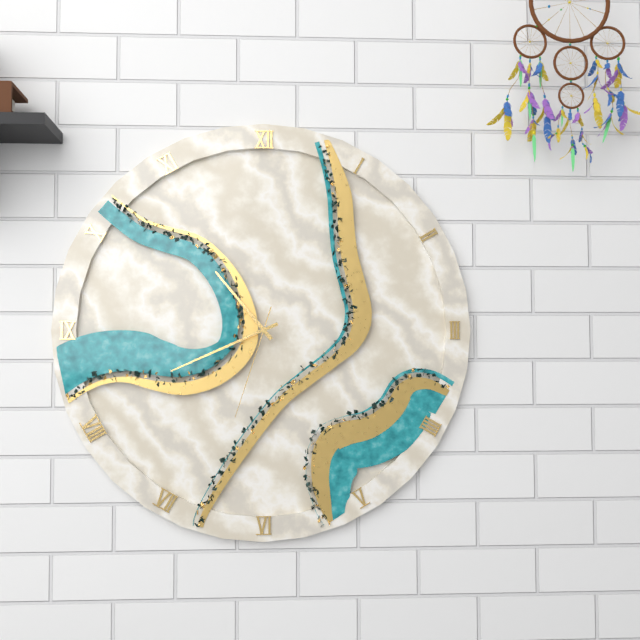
10:41:33
